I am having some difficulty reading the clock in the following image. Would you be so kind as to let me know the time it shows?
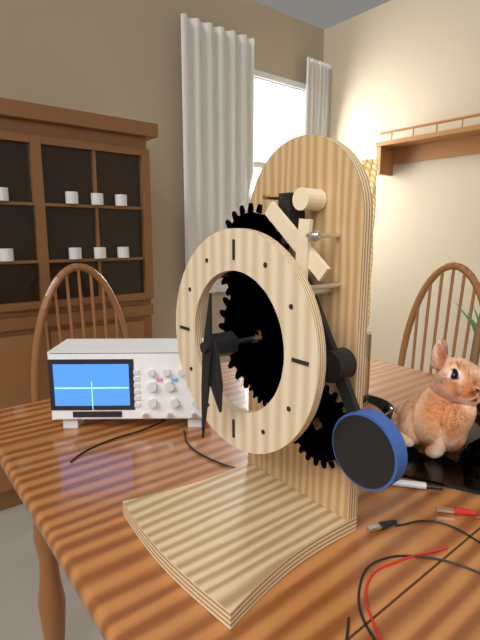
5:31
